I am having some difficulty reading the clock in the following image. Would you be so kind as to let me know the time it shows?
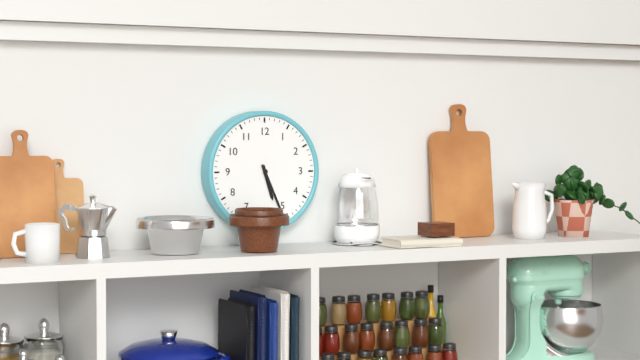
5:26
